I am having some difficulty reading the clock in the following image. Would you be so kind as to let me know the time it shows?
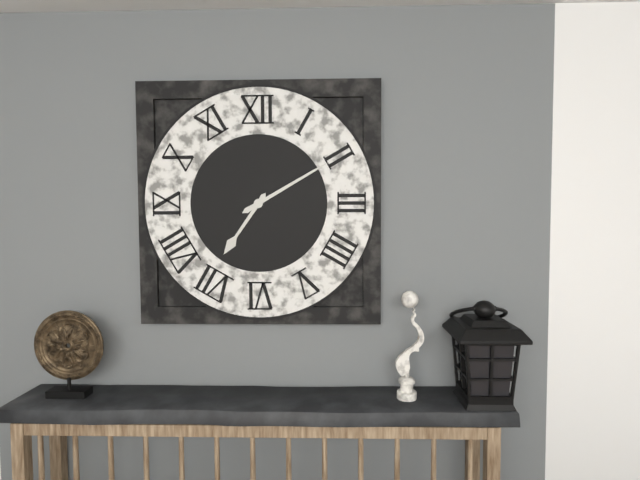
7:10
